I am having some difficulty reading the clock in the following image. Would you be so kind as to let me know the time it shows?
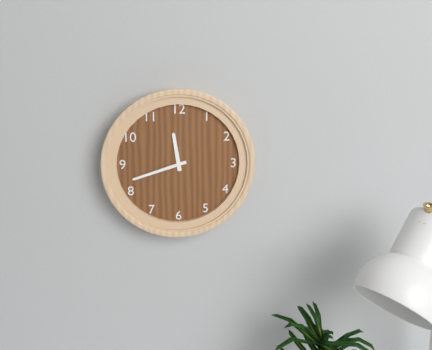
11:42
